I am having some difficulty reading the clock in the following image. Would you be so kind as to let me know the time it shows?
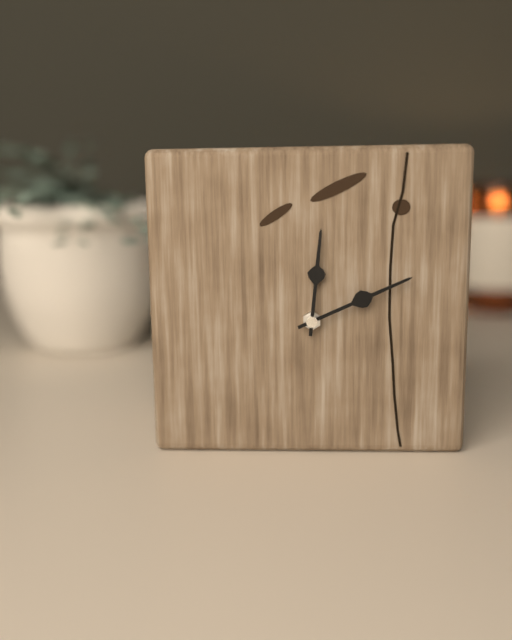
12:11
